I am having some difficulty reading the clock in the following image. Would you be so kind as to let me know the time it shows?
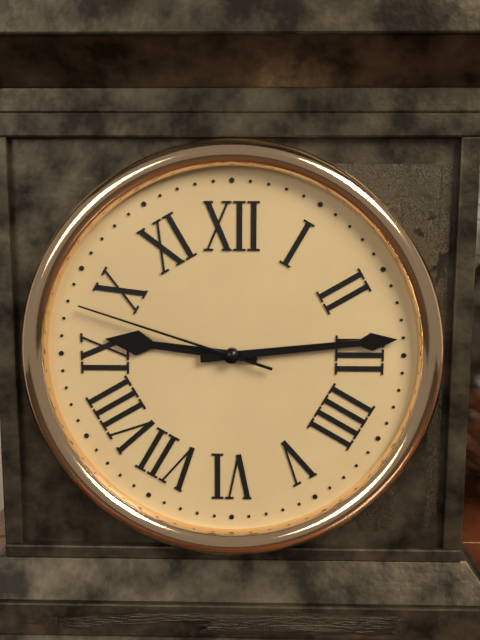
9:14:48
